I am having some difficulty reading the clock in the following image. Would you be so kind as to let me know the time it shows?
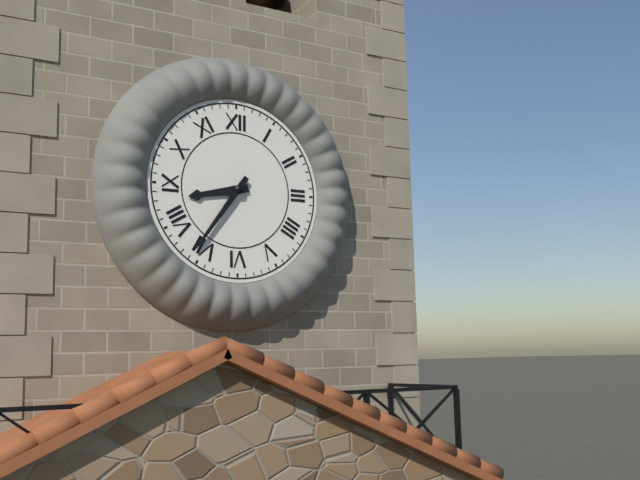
8:36
